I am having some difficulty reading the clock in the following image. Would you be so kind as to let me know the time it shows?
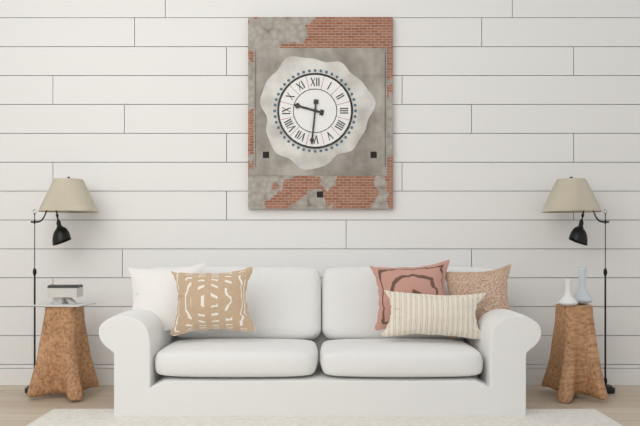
9:31
